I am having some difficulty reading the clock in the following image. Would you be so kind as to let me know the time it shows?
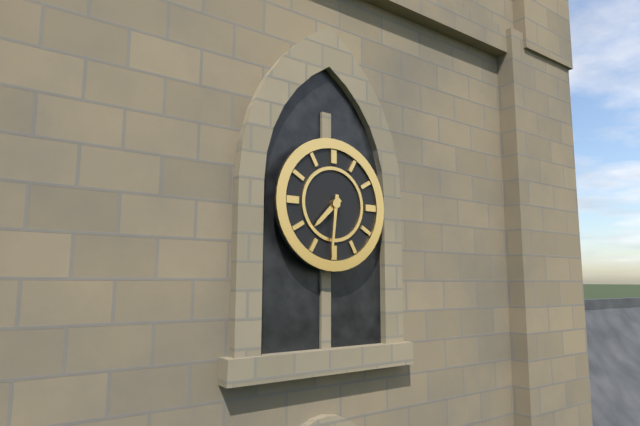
7:31
